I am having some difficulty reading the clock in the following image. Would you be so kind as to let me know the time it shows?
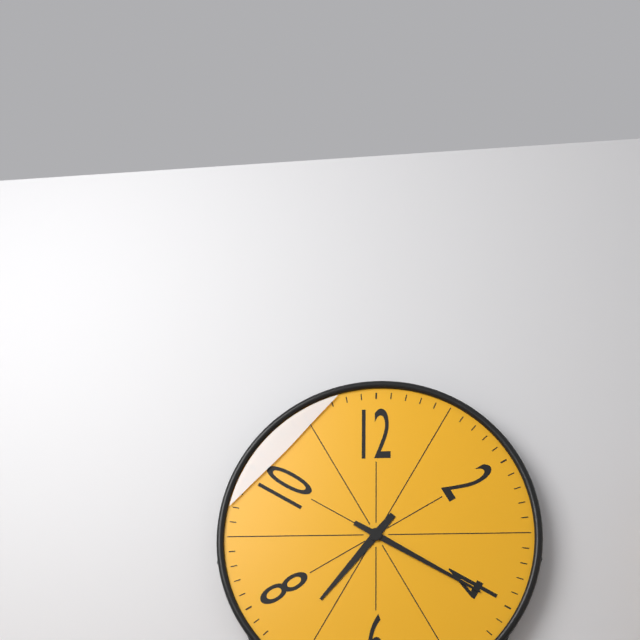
7:20
